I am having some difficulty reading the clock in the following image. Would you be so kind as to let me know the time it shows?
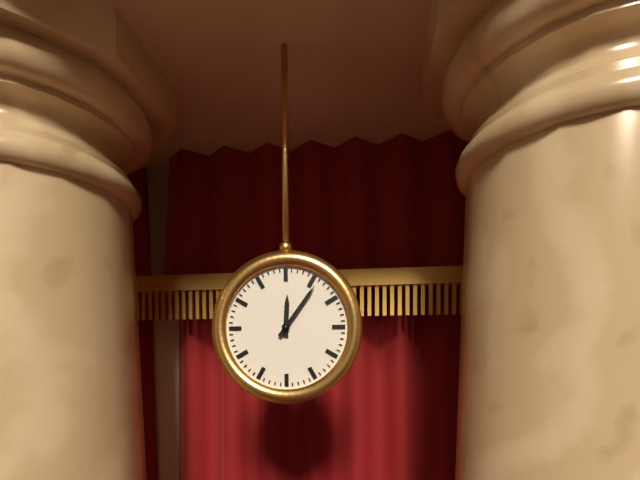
12:06
